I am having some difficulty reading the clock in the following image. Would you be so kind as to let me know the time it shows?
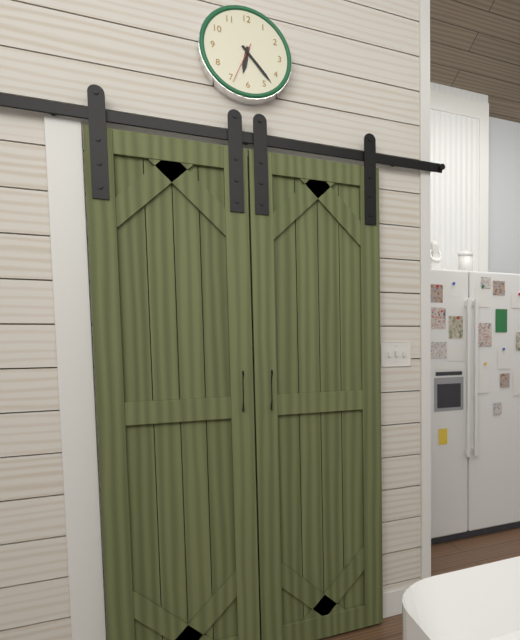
6:23
